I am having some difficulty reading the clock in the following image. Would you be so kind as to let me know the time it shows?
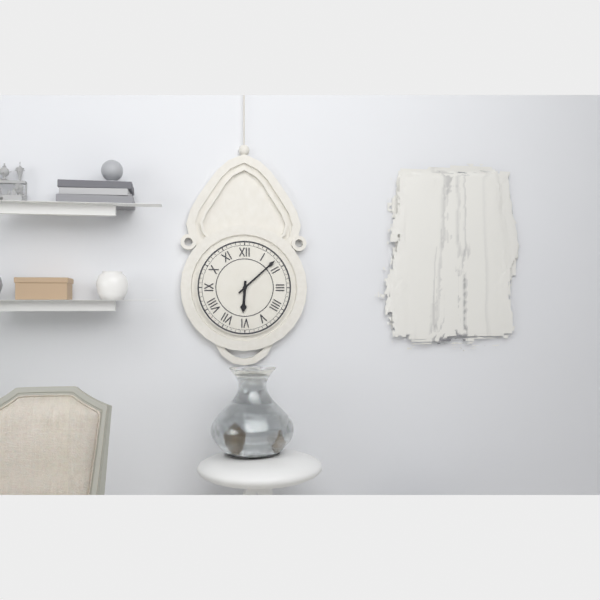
6:08
